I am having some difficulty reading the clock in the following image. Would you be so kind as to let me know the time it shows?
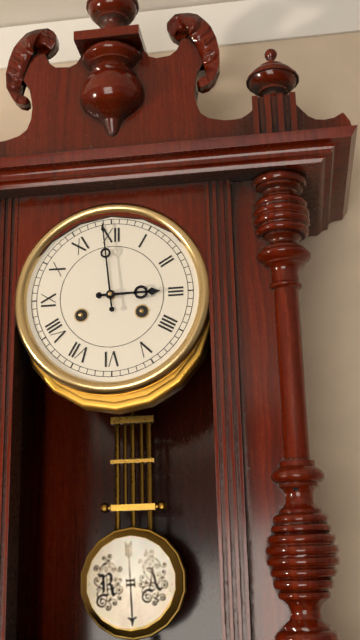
2:59
